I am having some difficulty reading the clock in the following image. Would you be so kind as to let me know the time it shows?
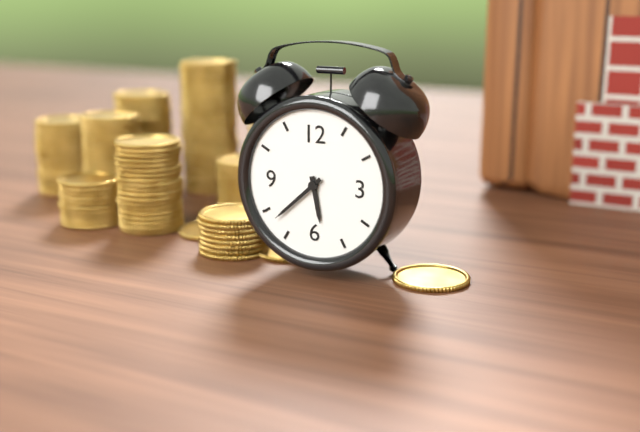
5:38
